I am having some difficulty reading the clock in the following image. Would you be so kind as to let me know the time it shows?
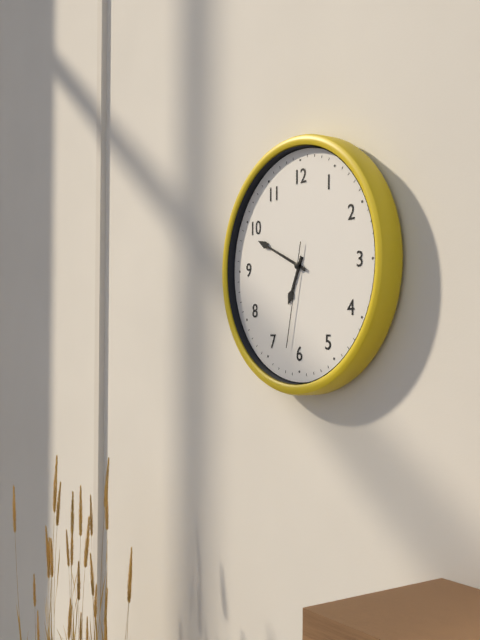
6:49:32
